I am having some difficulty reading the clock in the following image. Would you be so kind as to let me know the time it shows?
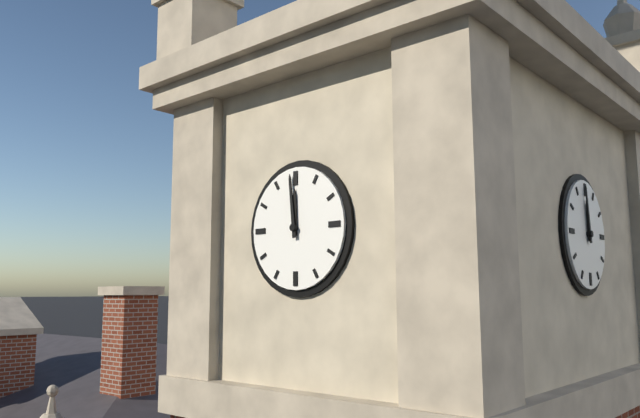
11:59
